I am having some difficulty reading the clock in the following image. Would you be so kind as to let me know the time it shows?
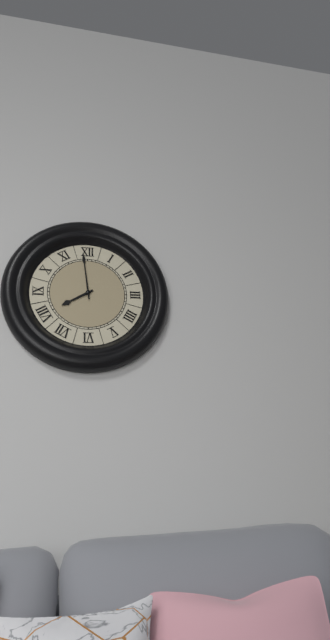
7:59
